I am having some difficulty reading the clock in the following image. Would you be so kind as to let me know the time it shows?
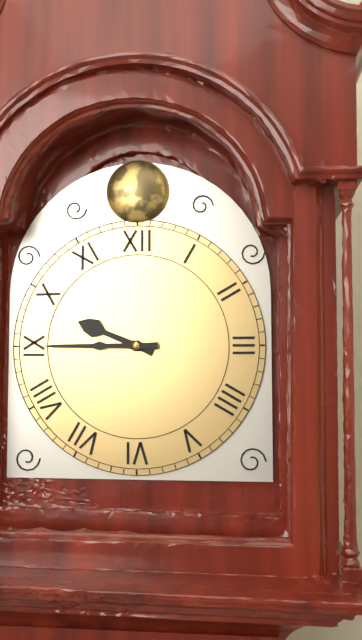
9:45
